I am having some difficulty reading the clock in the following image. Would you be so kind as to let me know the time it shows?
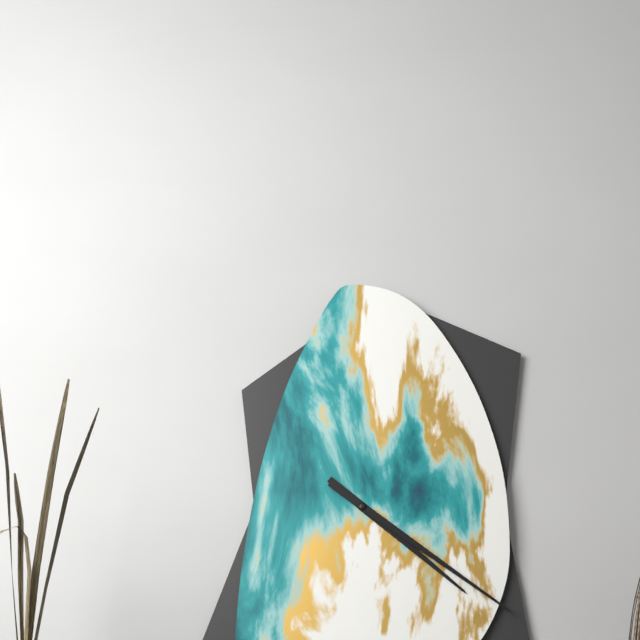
4:21
